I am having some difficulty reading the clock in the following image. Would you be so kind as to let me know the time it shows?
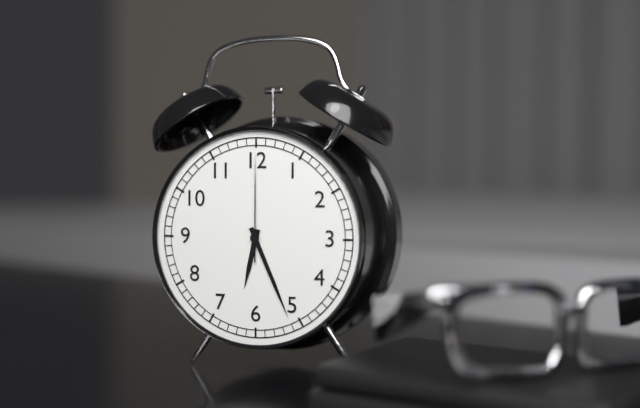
6:26:00
